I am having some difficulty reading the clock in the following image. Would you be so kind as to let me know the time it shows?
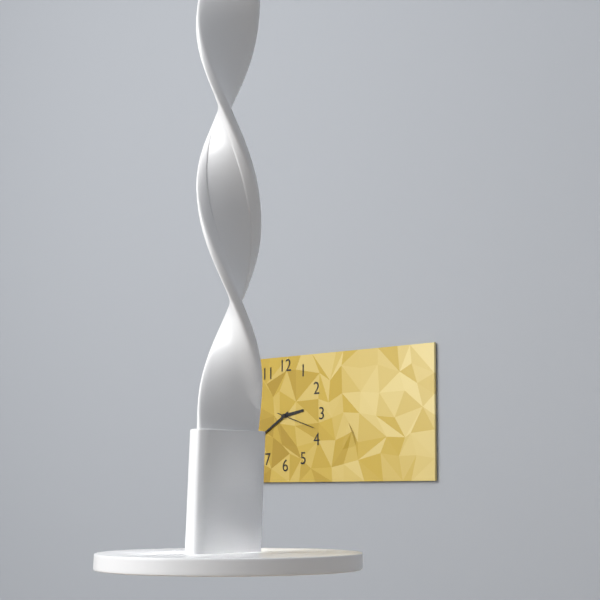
2:40
